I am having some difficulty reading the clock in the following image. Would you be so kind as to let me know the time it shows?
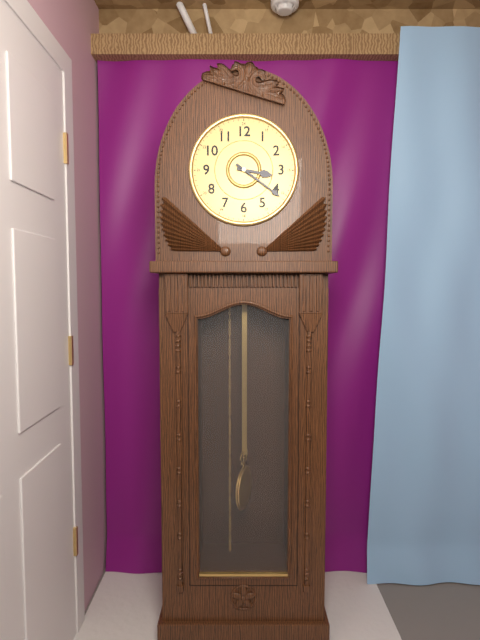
3:21
